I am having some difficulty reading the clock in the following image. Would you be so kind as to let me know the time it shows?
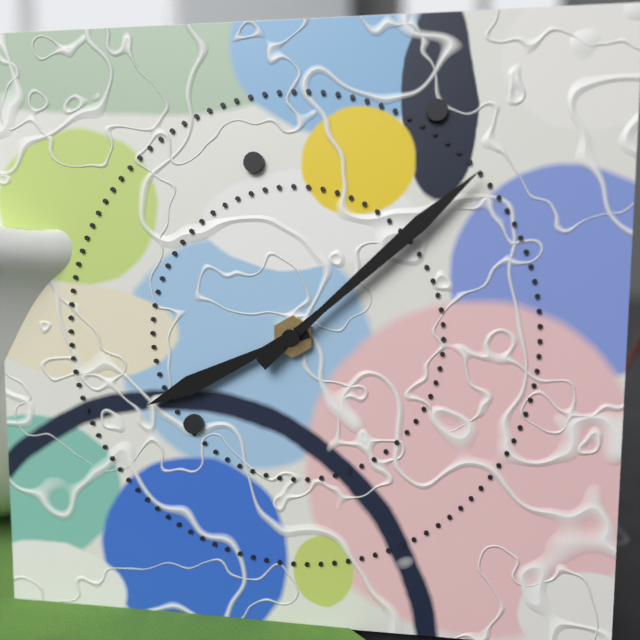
8:08
